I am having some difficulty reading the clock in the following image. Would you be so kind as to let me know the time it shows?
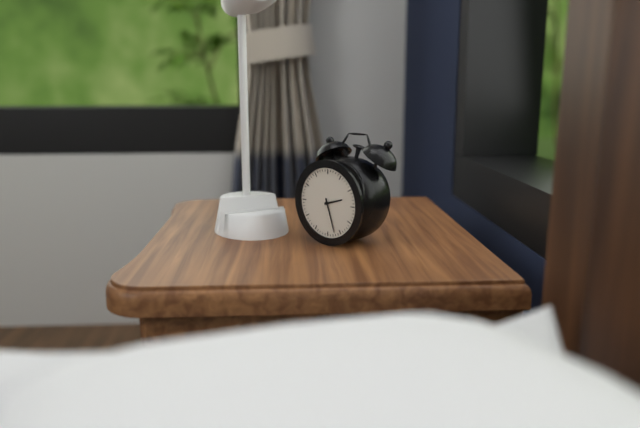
2:27
